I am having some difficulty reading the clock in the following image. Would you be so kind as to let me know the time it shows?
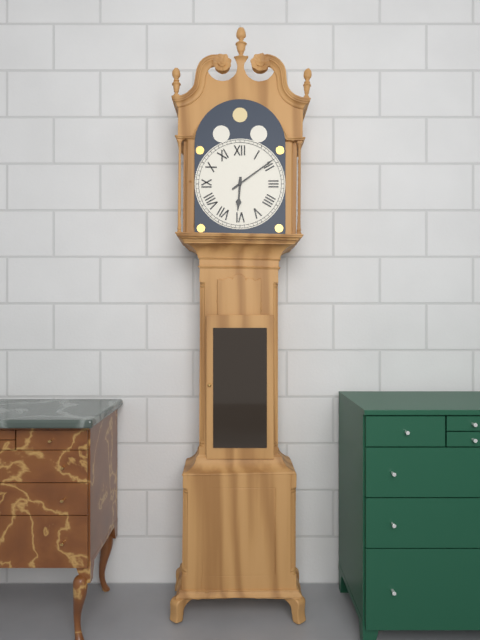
6:09
